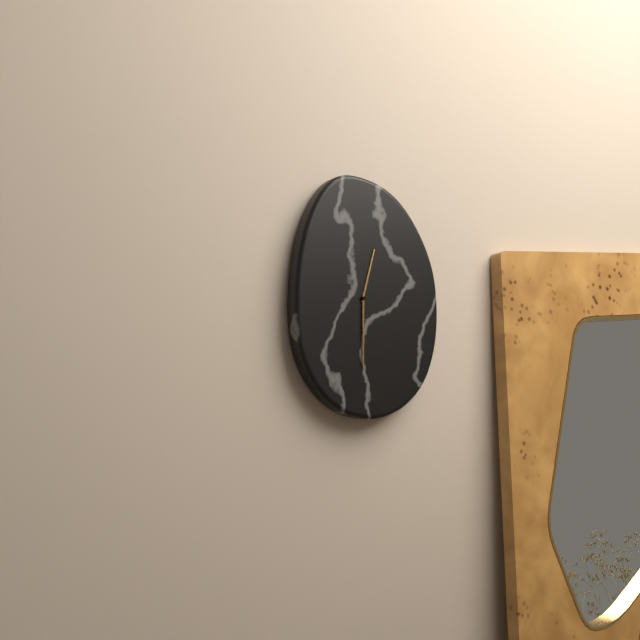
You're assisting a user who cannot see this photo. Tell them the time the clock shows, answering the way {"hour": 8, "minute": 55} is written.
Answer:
{"hour": 12, "minute": 30}
